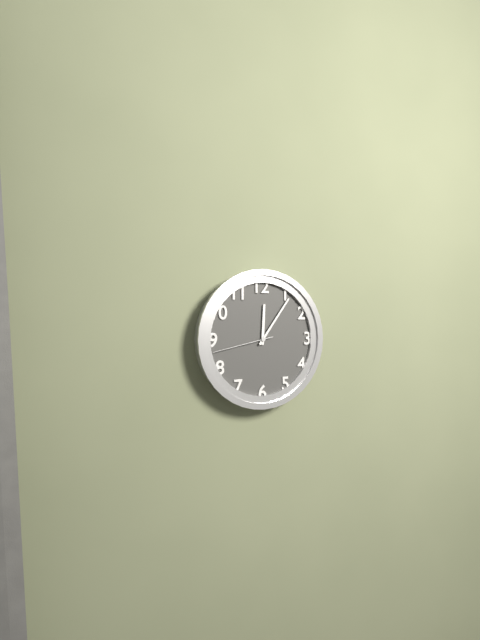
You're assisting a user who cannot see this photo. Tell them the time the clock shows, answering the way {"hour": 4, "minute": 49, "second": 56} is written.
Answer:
{"hour": 12, "minute": 6, "second": 43}
